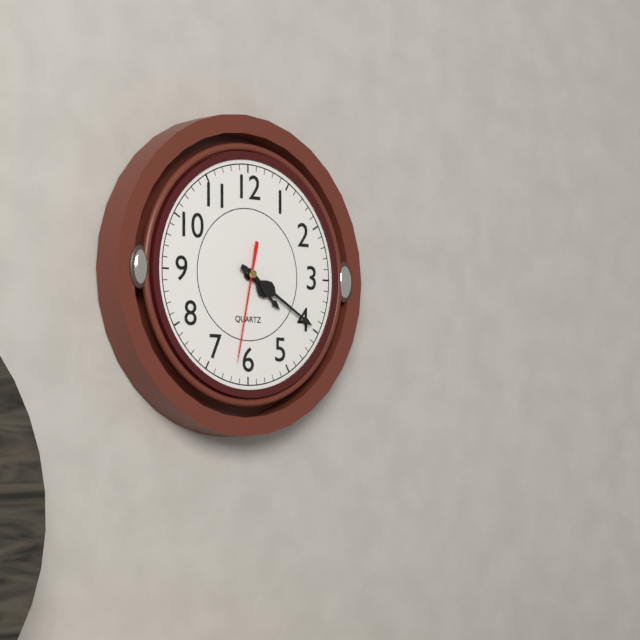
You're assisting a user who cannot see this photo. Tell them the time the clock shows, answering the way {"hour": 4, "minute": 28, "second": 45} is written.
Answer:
{"hour": 4, "minute": 20, "second": 32}
